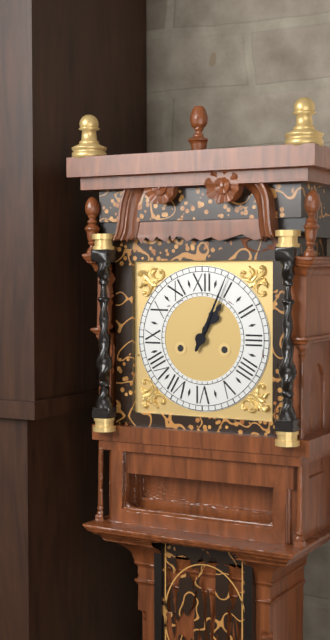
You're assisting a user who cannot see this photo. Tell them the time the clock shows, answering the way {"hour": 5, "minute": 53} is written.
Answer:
{"hour": 1, "minute": 4}
